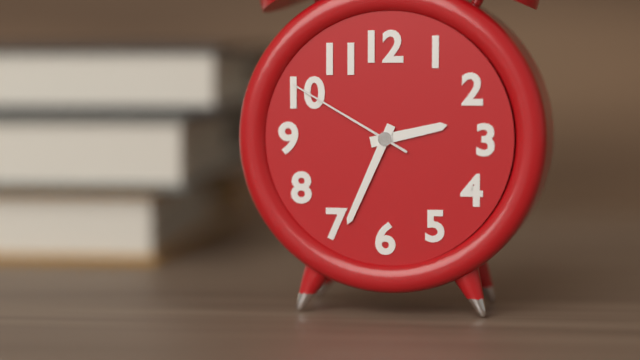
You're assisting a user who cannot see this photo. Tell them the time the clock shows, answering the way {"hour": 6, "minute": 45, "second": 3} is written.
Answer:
{"hour": 2, "minute": 34, "second": 50}
